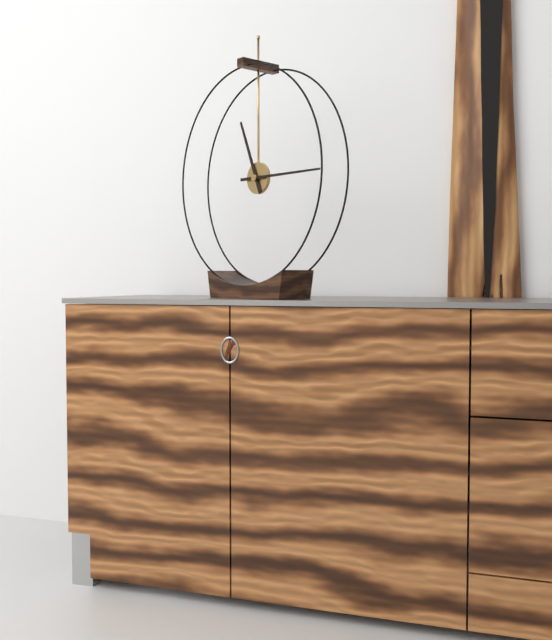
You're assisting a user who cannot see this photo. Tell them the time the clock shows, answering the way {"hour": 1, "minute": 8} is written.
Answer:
{"hour": 11, "minute": 15}
